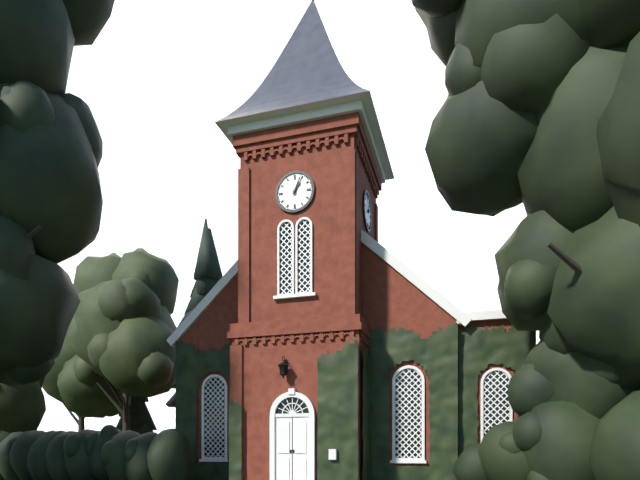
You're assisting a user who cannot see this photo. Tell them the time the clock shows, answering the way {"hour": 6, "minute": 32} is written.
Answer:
{"hour": 1, "minute": 4}
